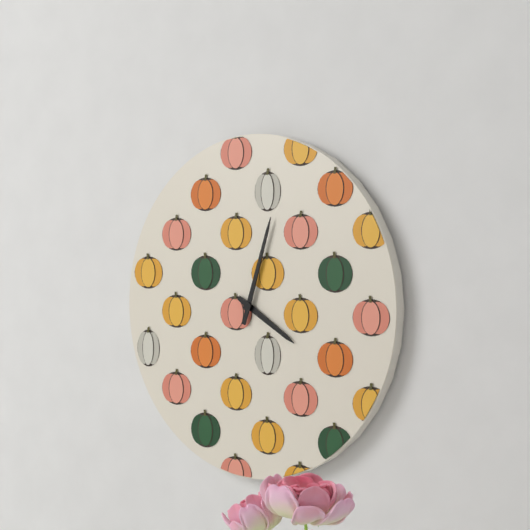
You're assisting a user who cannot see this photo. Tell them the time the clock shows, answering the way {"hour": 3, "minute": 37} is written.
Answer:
{"hour": 4, "minute": 3}
